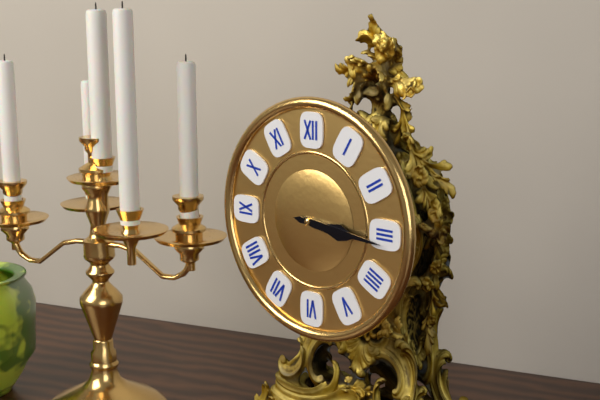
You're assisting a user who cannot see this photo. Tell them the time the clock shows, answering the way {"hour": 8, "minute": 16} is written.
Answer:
{"hour": 3, "minute": 16}
